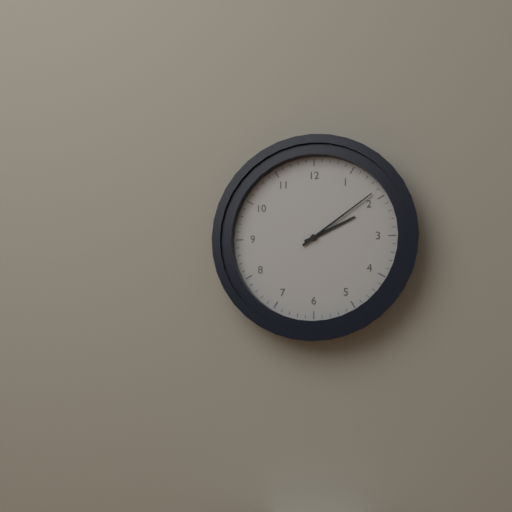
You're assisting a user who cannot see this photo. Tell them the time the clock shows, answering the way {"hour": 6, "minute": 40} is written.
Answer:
{"hour": 2, "minute": 9}
